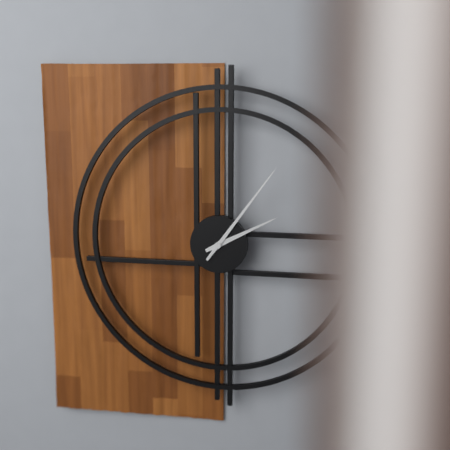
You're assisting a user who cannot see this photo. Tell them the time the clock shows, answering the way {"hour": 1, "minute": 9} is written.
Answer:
{"hour": 2, "minute": 6}
